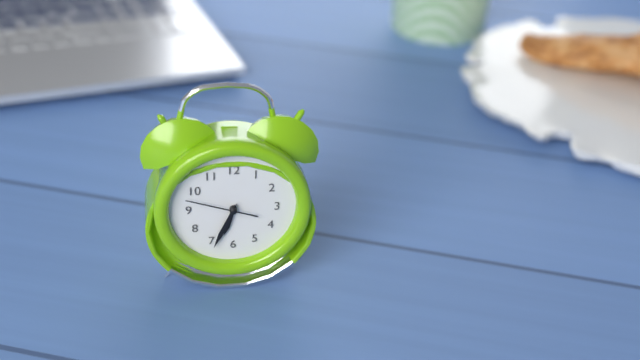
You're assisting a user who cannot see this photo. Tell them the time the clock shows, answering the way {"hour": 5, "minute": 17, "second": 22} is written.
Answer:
{"hour": 6, "minute": 34, "second": 48}
